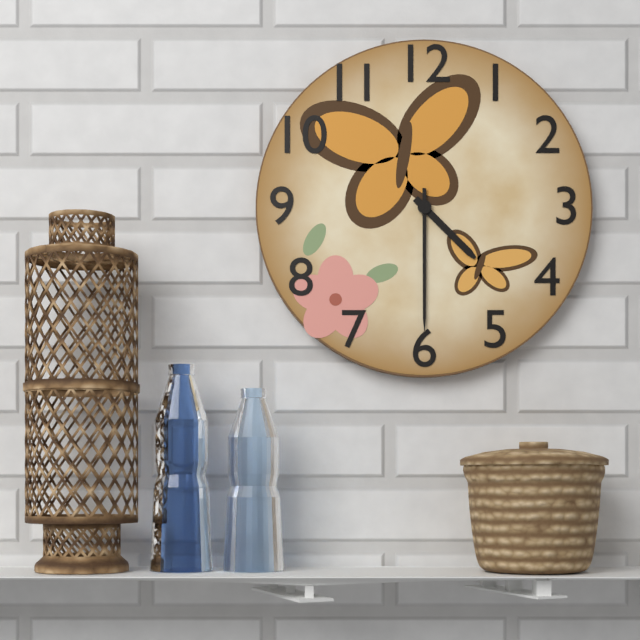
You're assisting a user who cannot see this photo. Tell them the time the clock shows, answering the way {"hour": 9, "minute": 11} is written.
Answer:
{"hour": 4, "minute": 30}
